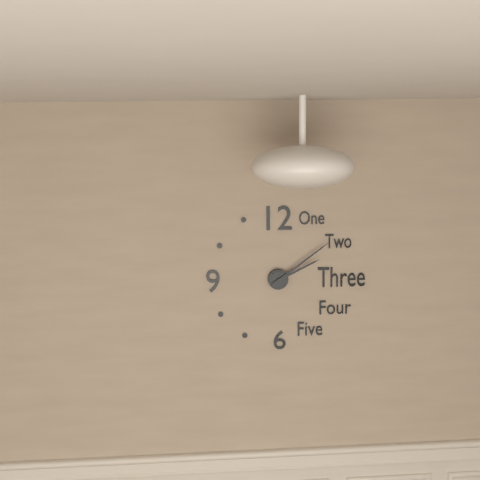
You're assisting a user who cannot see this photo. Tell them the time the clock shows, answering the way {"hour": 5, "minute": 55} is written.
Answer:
{"hour": 2, "minute": 9}
